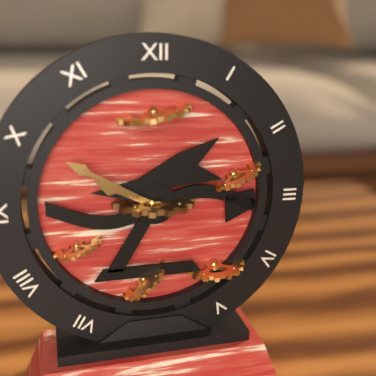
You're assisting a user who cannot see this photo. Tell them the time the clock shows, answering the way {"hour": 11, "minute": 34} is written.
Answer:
{"hour": 9, "minute": 50}
